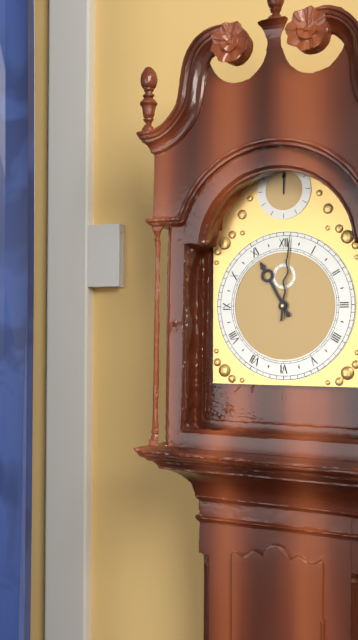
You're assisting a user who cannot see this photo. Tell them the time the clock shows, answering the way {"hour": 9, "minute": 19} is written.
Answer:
{"hour": 11, "minute": 1}
